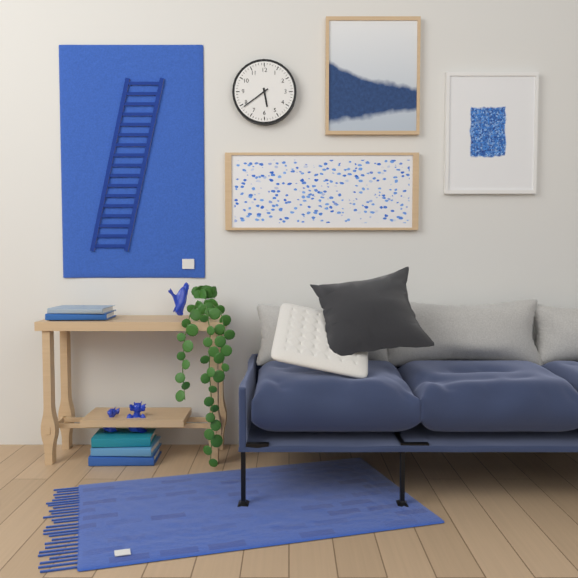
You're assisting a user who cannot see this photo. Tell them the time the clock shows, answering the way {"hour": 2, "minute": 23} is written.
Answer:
{"hour": 5, "minute": 39}
